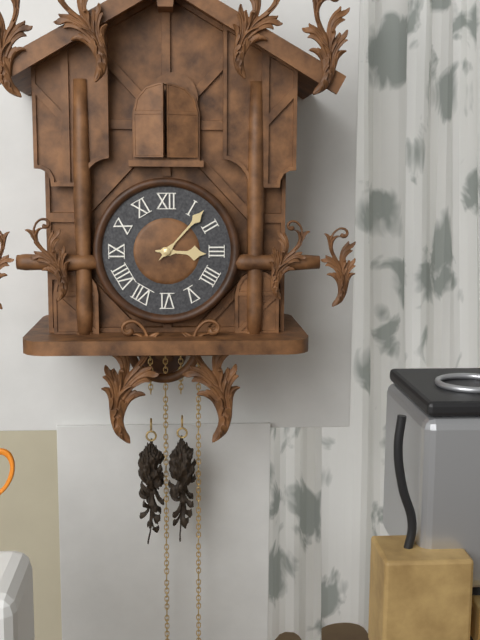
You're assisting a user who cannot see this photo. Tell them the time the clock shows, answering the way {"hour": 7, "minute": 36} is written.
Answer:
{"hour": 3, "minute": 7}
